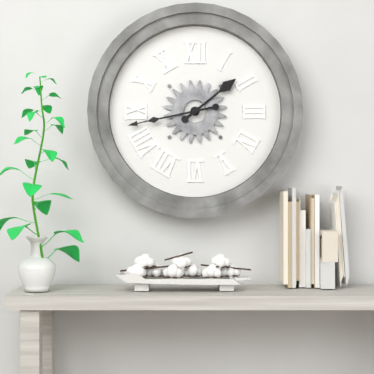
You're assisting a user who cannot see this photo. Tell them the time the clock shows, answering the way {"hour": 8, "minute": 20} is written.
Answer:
{"hour": 1, "minute": 43}
